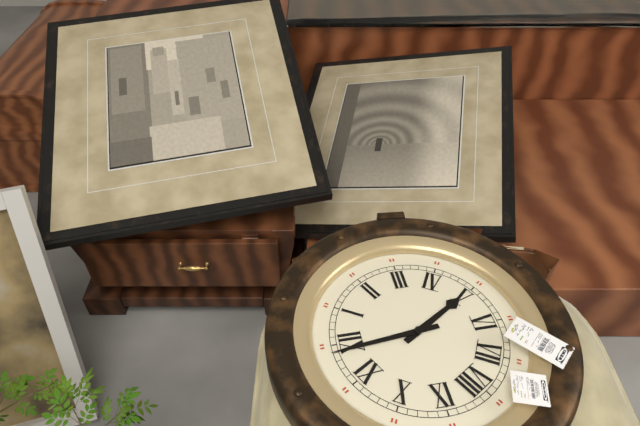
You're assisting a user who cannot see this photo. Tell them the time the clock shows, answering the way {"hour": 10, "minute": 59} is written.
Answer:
{"hour": 4, "minute": 59}
